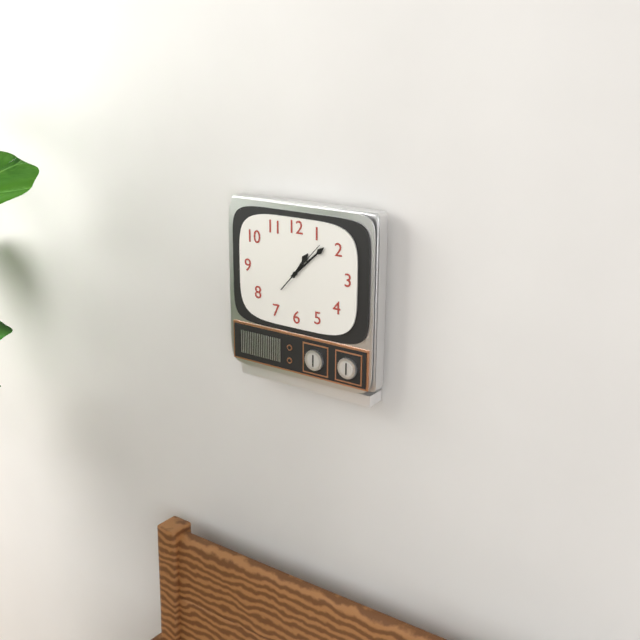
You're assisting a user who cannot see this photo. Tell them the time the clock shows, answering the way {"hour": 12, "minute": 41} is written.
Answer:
{"hour": 1, "minute": 8}
